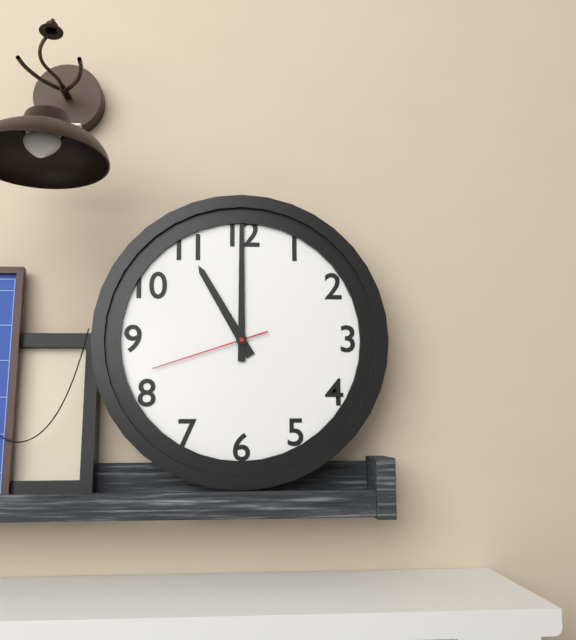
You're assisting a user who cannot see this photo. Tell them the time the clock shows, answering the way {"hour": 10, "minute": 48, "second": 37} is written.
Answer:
{"hour": 11, "minute": 0, "second": 42}
